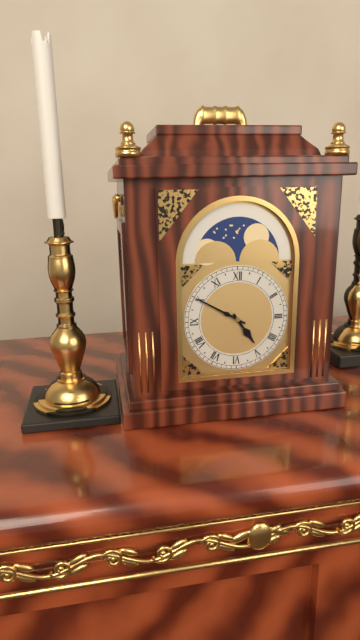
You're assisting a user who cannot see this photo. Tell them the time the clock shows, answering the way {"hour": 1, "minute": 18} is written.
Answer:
{"hour": 4, "minute": 50}
